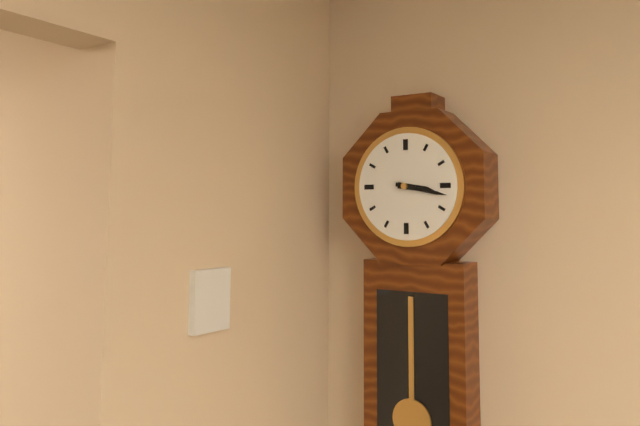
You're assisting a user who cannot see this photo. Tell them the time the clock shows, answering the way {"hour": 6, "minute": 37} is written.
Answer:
{"hour": 3, "minute": 17}
